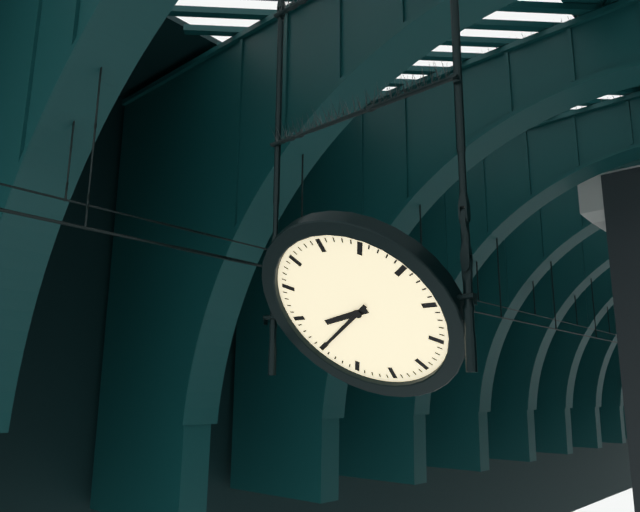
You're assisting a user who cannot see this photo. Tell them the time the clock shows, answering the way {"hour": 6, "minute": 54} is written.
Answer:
{"hour": 8, "minute": 40}
